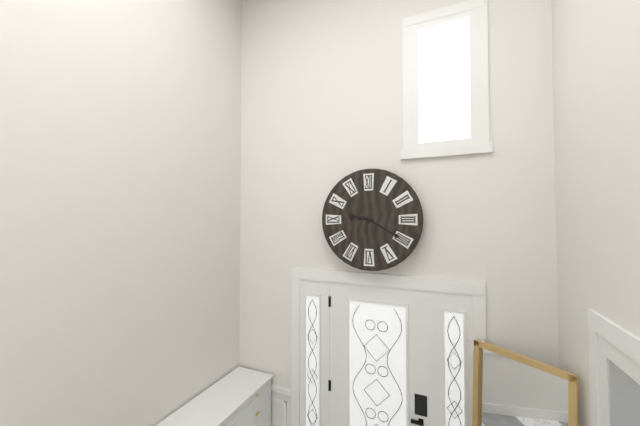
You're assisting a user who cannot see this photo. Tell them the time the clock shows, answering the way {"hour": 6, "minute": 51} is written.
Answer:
{"hour": 9, "minute": 20}
